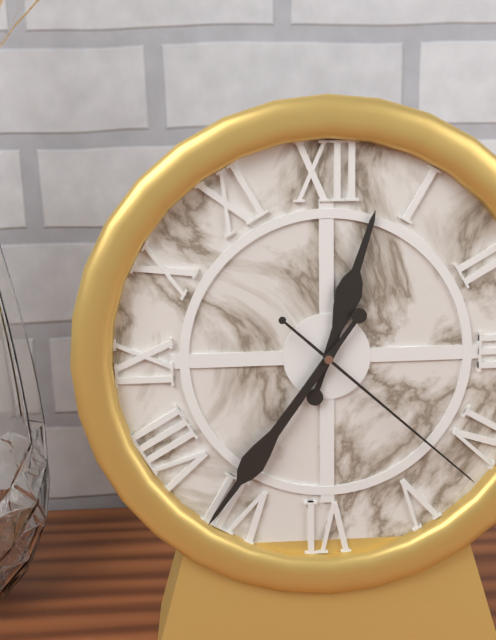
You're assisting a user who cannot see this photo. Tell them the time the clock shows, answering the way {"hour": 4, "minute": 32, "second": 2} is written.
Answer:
{"hour": 12, "minute": 36, "second": 22}
